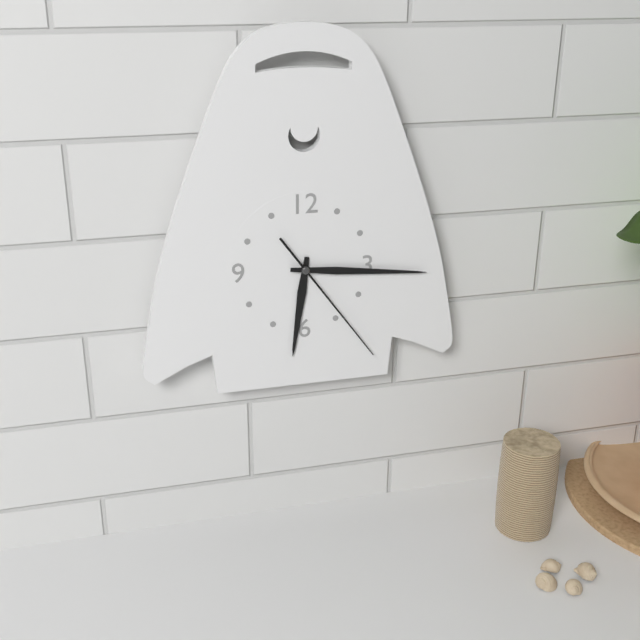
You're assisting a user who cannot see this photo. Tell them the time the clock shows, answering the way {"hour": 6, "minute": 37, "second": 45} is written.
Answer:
{"hour": 6, "minute": 16, "second": 24}
